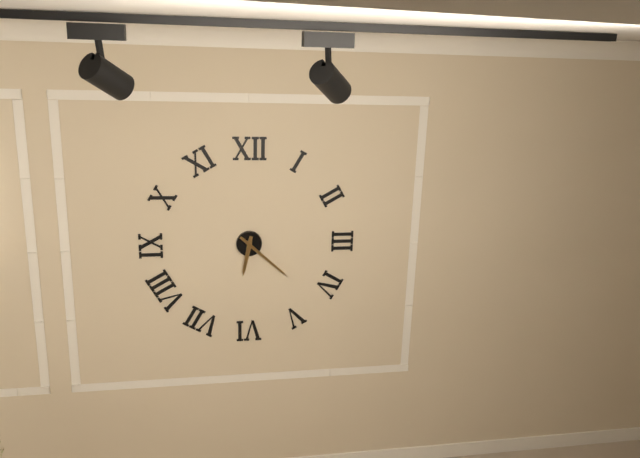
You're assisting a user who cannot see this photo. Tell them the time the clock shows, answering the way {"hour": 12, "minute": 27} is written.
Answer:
{"hour": 6, "minute": 22}
